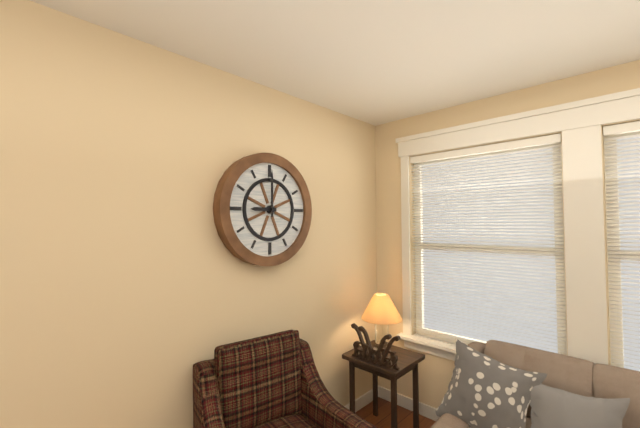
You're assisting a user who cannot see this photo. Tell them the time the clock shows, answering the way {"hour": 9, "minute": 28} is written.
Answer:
{"hour": 9, "minute": 0}
